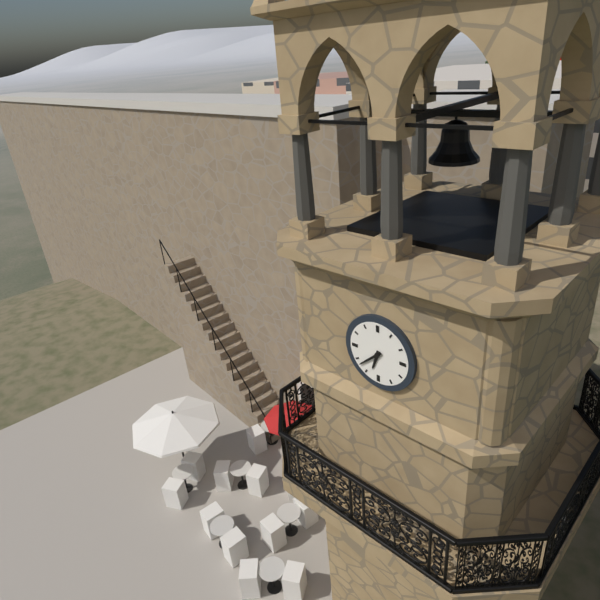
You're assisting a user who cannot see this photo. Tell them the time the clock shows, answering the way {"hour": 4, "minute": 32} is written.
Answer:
{"hour": 6, "minute": 38}
